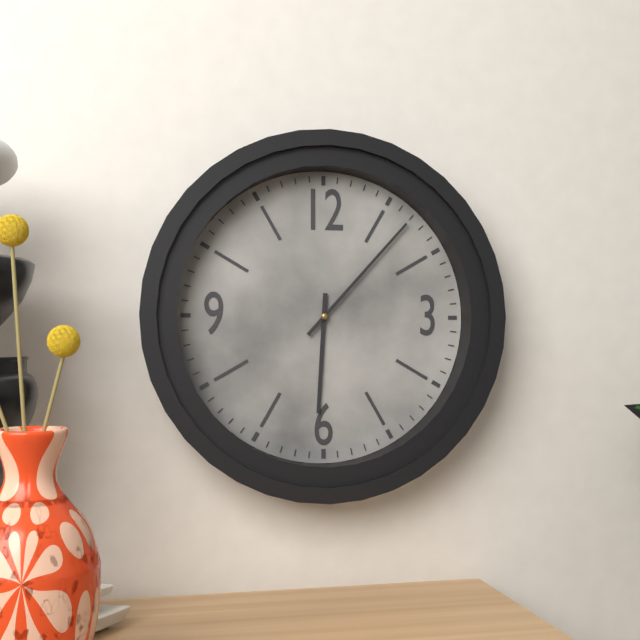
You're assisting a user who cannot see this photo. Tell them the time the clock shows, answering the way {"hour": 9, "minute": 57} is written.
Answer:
{"hour": 6, "minute": 7}
